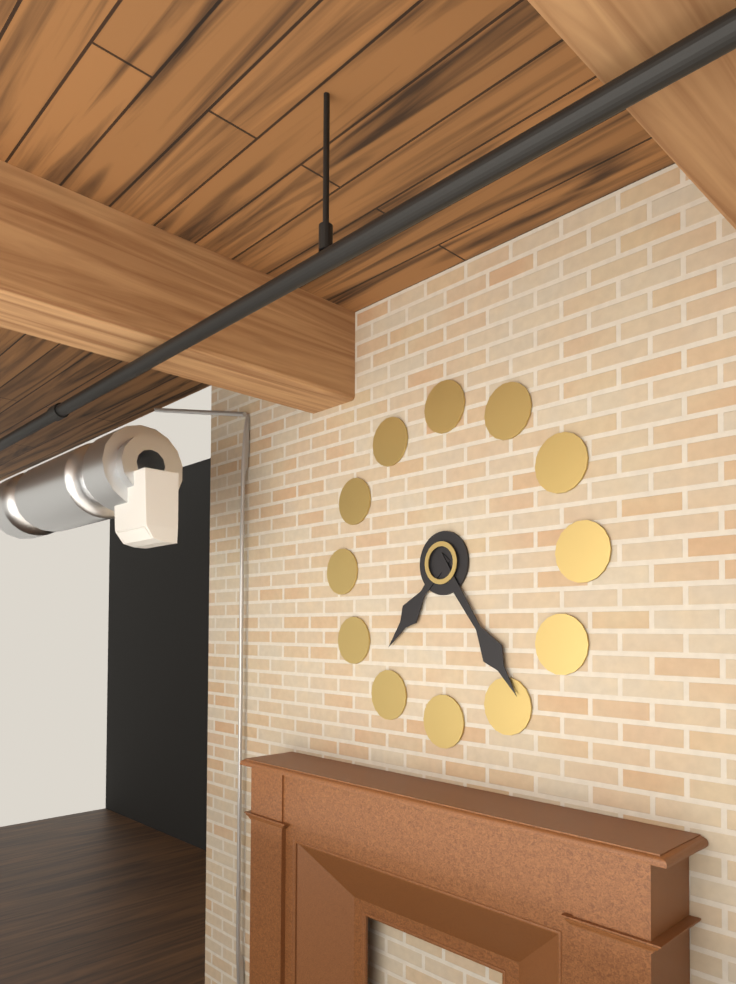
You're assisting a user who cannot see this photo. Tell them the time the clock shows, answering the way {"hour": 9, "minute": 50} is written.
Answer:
{"hour": 7, "minute": 24}
